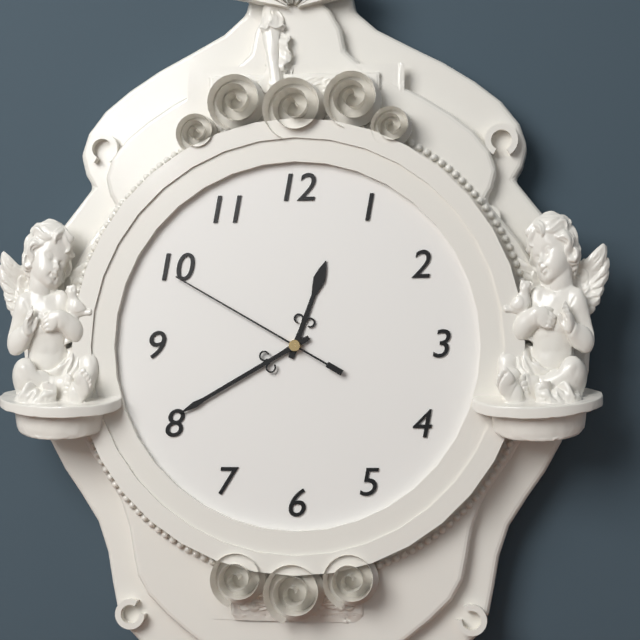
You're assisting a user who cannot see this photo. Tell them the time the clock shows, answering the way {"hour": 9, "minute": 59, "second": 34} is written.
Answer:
{"hour": 12, "minute": 40, "second": 50}
